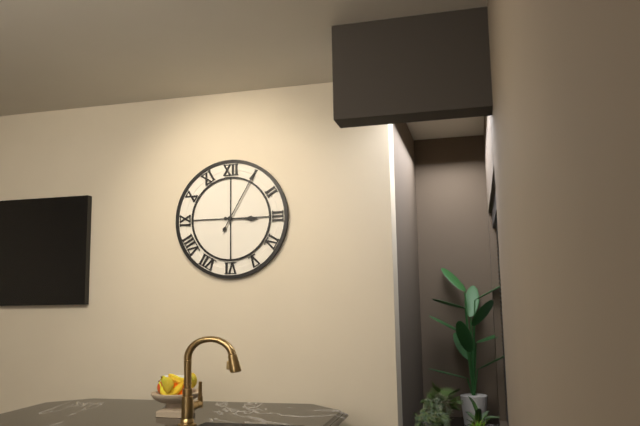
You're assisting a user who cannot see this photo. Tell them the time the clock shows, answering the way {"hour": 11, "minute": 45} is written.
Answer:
{"hour": 3, "minute": 5}
